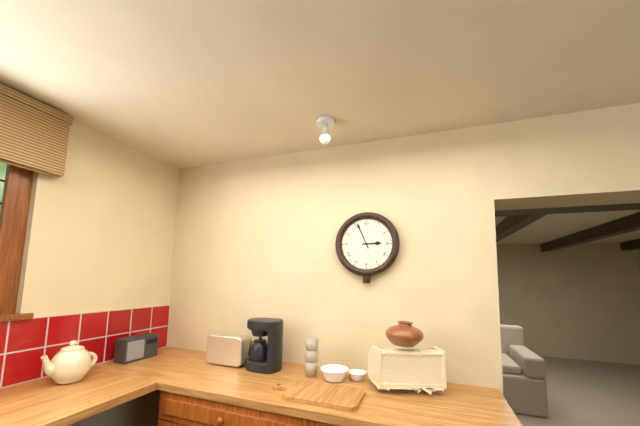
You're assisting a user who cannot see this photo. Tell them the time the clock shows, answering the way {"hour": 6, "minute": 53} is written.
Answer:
{"hour": 2, "minute": 56}
